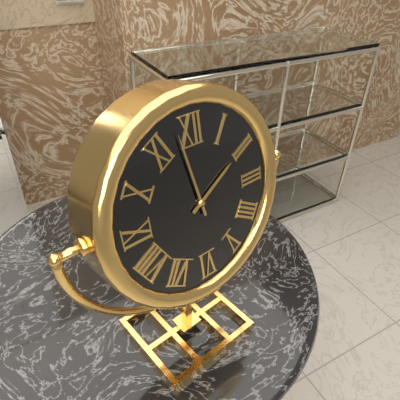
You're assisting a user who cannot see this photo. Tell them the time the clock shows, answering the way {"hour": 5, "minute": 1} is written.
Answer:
{"hour": 1, "minute": 58}
